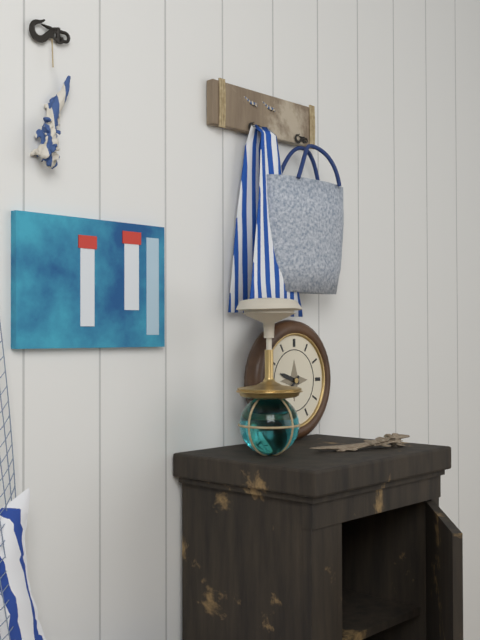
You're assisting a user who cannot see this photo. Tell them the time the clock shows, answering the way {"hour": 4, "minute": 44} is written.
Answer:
{"hour": 9, "minute": 38}
